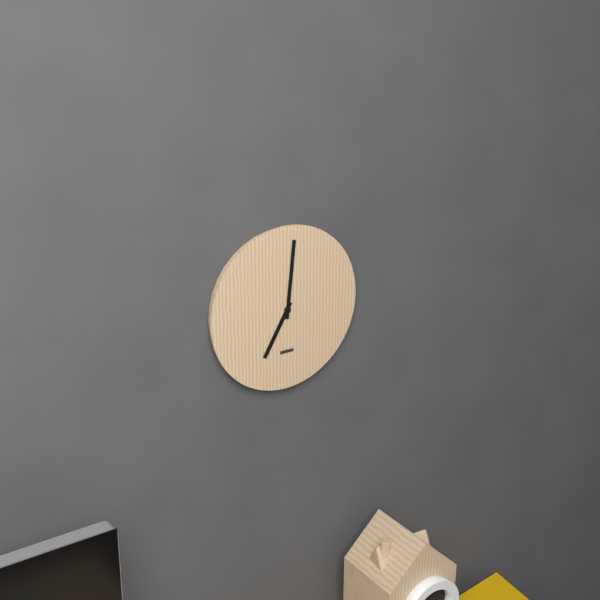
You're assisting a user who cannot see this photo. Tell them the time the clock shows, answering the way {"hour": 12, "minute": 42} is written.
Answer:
{"hour": 7, "minute": 1}
